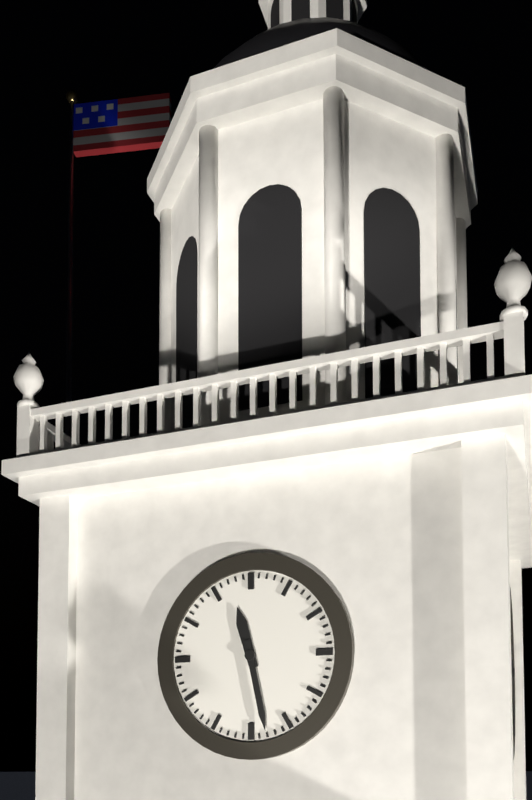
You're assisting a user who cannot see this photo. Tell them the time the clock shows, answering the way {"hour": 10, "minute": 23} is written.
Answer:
{"hour": 11, "minute": 28}
